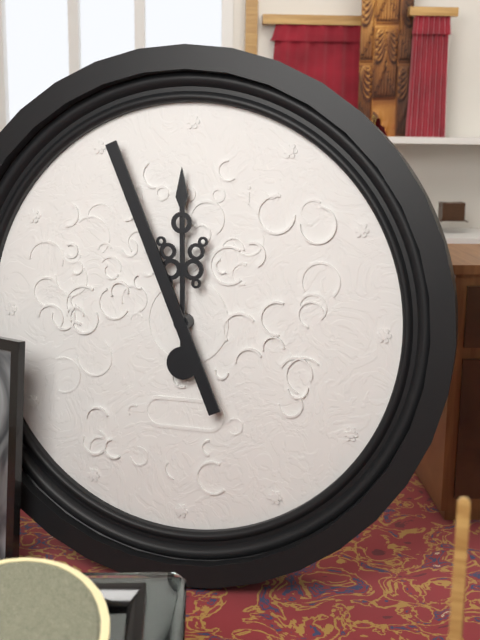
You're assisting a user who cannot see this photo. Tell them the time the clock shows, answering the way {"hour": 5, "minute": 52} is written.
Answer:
{"hour": 11, "minute": 56}
